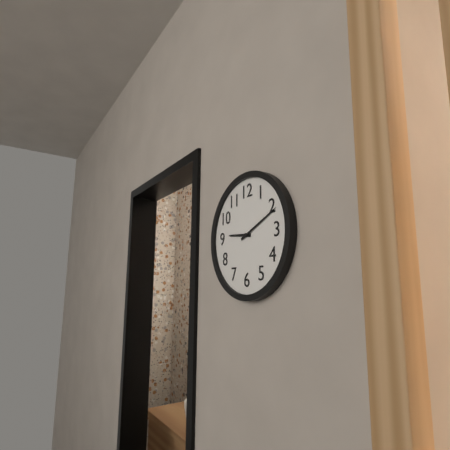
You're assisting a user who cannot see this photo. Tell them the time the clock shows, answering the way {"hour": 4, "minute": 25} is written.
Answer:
{"hour": 9, "minute": 11}
